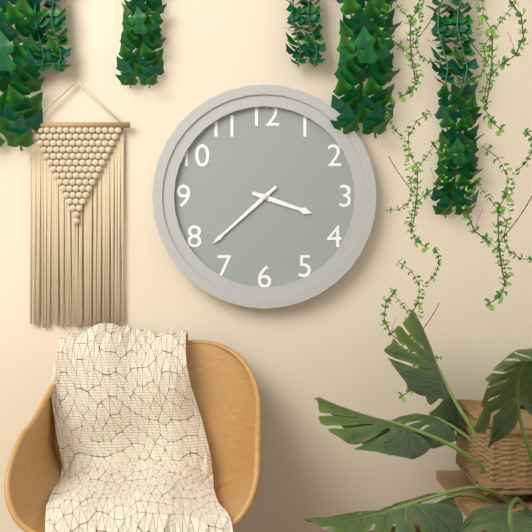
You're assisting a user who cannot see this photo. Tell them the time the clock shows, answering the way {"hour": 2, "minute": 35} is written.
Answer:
{"hour": 3, "minute": 38}
